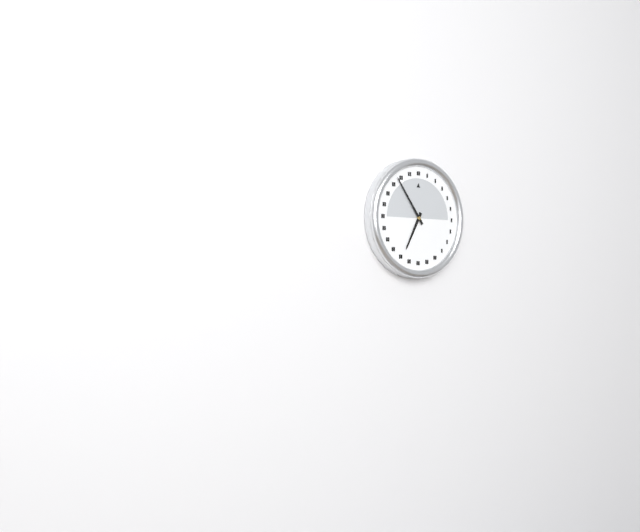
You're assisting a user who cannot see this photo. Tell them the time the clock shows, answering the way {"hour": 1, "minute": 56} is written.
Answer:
{"hour": 6, "minute": 54}
